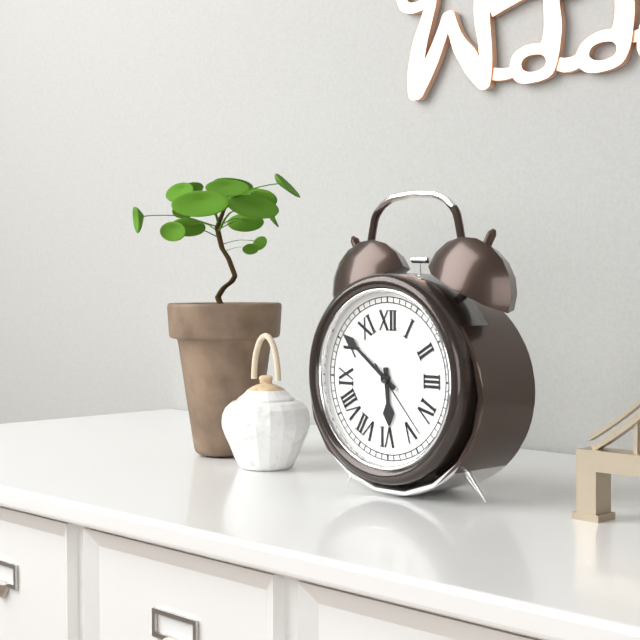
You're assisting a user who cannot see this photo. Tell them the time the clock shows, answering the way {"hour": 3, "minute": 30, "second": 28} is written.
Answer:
{"hour": 5, "minute": 51, "second": 23}
